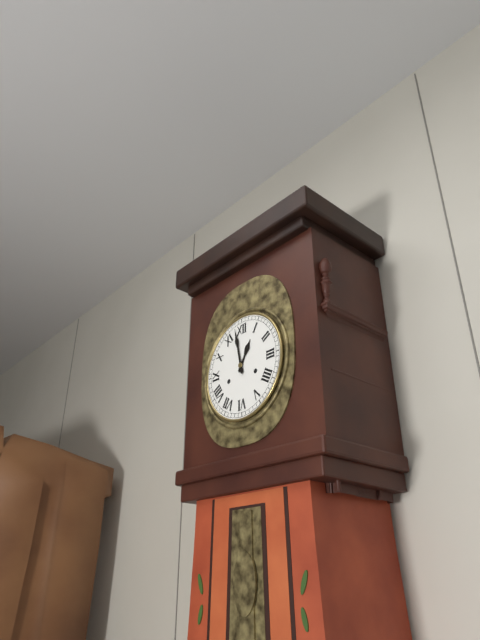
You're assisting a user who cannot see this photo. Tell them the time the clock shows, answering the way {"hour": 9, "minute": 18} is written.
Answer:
{"hour": 12, "minute": 58}
